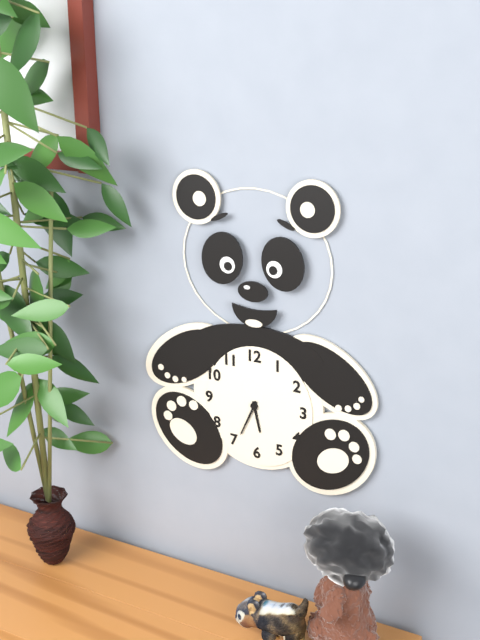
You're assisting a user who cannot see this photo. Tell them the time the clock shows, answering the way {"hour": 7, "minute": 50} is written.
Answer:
{"hour": 5, "minute": 34}
